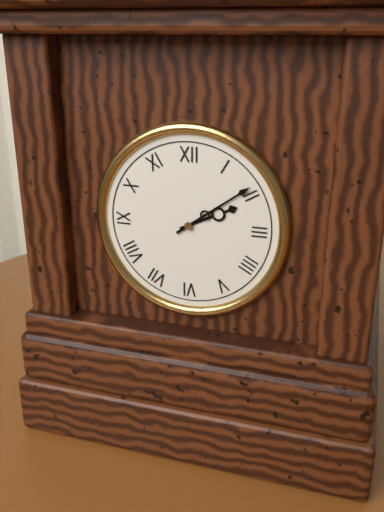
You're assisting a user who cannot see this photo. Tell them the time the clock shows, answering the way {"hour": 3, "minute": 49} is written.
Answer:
{"hour": 2, "minute": 9}
